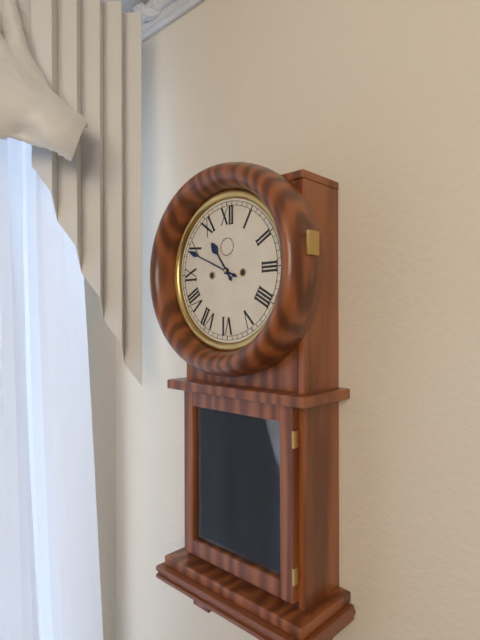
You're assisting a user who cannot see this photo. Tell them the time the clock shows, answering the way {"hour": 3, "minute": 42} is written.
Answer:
{"hour": 10, "minute": 49}
